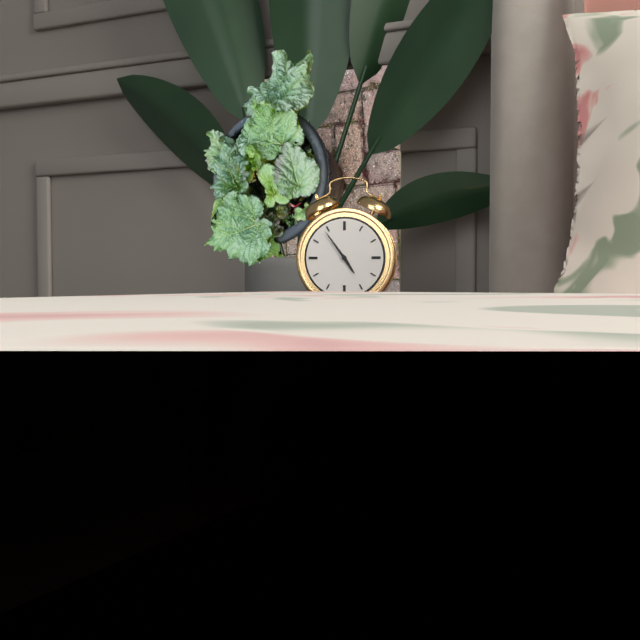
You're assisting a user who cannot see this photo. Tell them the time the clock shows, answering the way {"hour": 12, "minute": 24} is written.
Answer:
{"hour": 4, "minute": 54}
